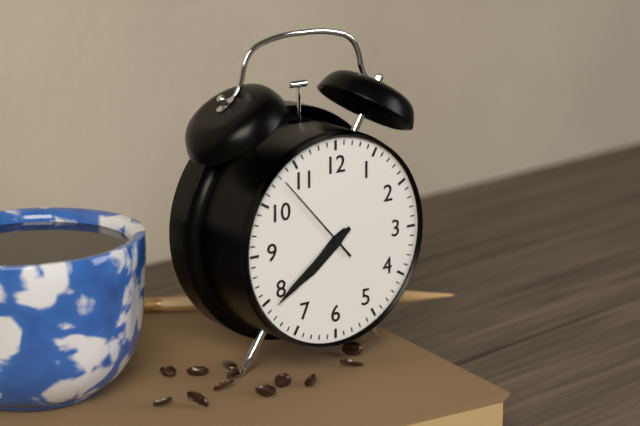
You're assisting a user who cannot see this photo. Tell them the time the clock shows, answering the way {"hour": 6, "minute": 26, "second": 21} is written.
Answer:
{"hour": 7, "minute": 39, "second": 53}
